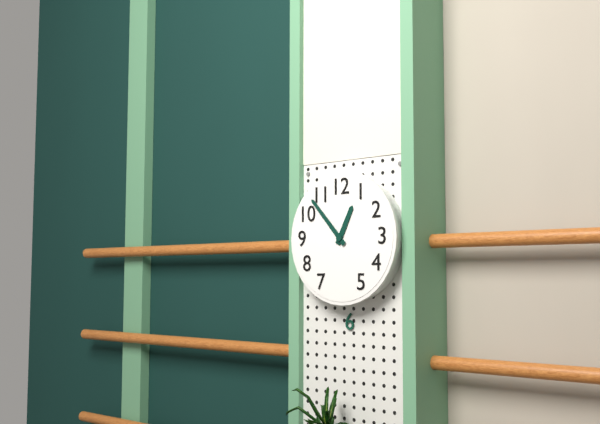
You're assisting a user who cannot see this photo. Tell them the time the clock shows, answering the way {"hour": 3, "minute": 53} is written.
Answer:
{"hour": 12, "minute": 53}
